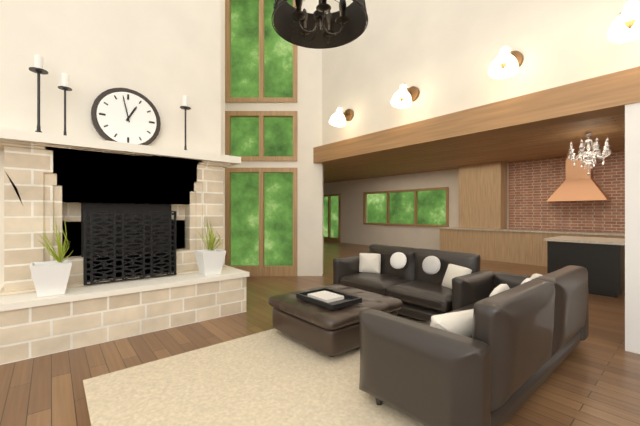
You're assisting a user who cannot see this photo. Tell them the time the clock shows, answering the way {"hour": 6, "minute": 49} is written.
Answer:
{"hour": 12, "minute": 58}
